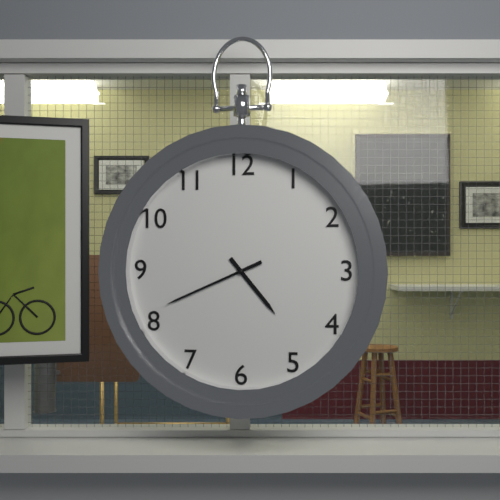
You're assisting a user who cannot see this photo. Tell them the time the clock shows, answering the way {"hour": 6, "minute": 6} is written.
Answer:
{"hour": 4, "minute": 41}
